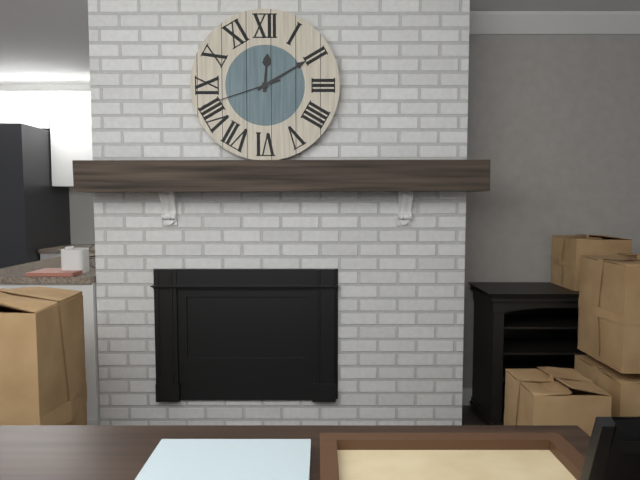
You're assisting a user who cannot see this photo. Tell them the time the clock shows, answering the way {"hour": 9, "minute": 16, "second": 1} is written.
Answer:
{"hour": 12, "minute": 10, "second": 42}
